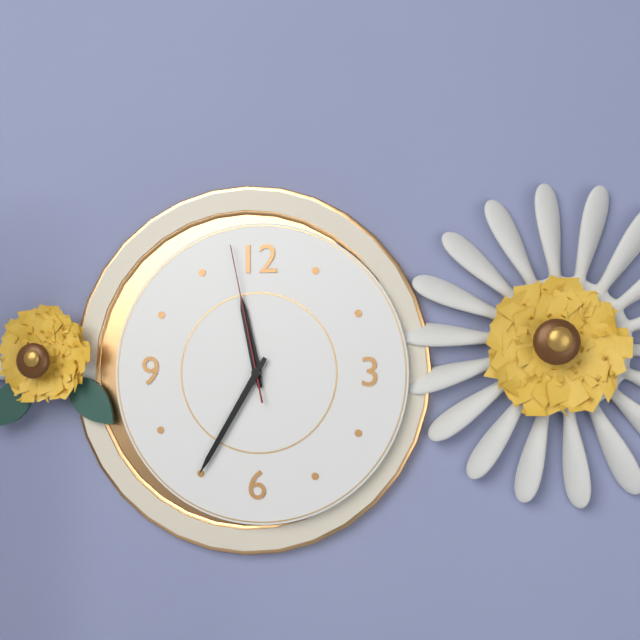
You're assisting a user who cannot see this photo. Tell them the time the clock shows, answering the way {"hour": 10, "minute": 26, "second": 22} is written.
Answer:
{"hour": 11, "minute": 35, "second": 58}
